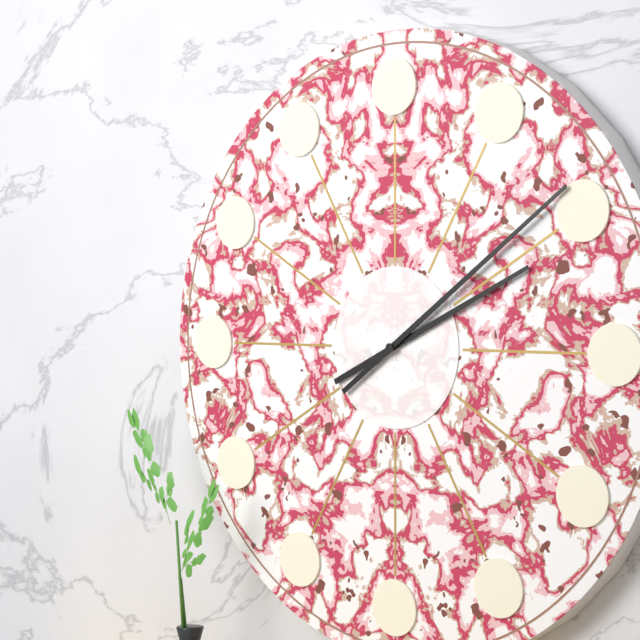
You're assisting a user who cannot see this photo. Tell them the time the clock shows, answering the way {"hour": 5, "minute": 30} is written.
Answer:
{"hour": 2, "minute": 9}
